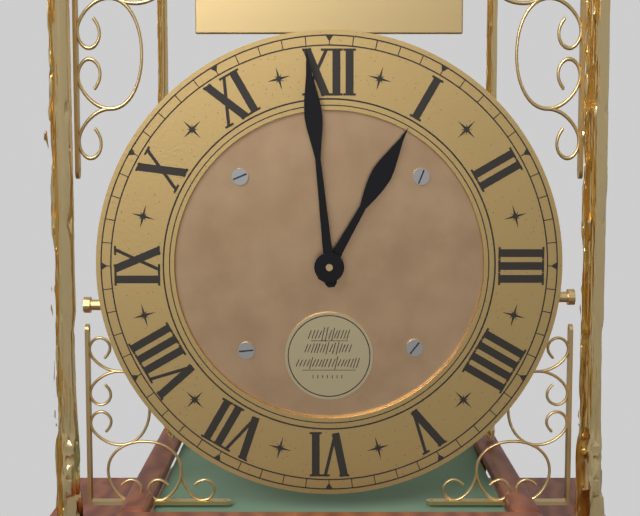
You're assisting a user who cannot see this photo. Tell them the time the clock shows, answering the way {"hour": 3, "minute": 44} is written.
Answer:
{"hour": 12, "minute": 59}
